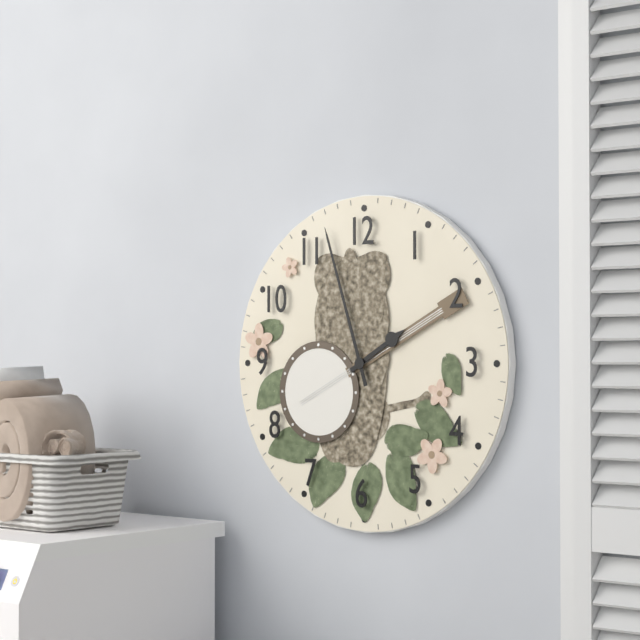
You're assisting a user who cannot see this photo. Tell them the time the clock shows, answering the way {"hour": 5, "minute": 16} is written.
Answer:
{"hour": 1, "minute": 57}
